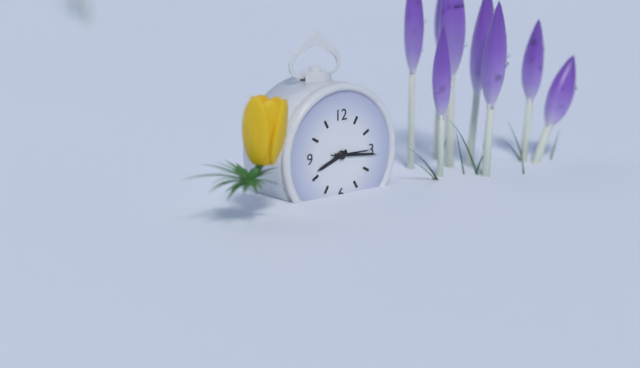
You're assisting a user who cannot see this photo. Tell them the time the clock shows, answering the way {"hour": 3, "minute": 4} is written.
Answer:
{"hour": 8, "minute": 16}
